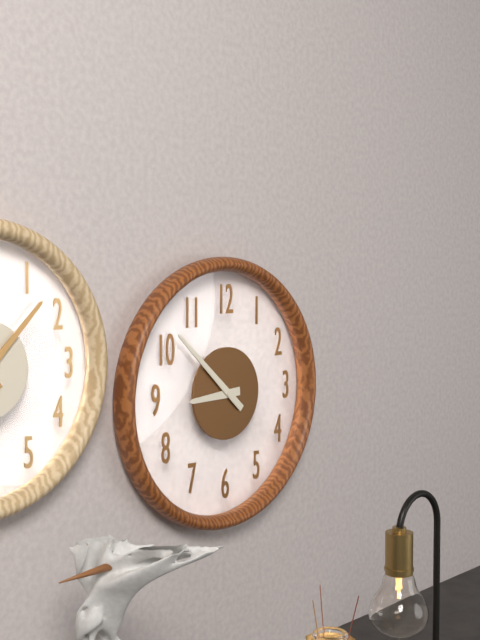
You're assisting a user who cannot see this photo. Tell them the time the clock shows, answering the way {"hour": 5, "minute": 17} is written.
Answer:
{"hour": 8, "minute": 52}
